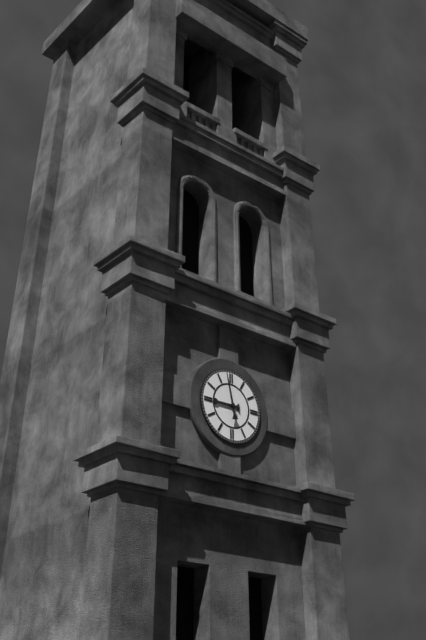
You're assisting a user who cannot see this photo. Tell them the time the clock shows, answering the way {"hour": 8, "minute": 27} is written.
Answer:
{"hour": 8, "minute": 58}
